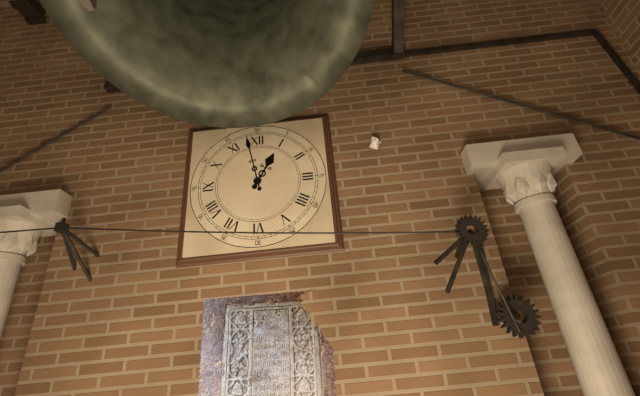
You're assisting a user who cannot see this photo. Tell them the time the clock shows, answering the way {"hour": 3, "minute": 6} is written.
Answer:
{"hour": 12, "minute": 58}
